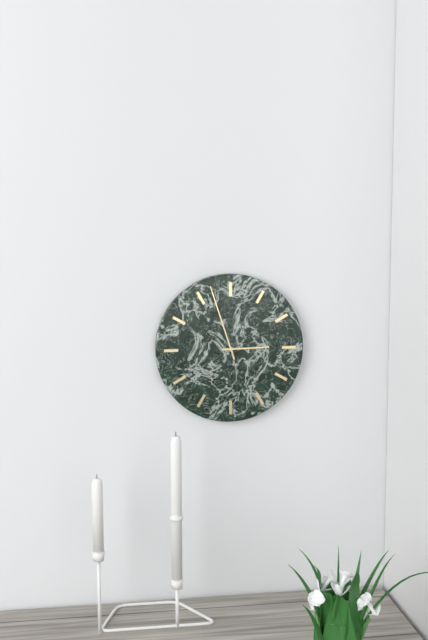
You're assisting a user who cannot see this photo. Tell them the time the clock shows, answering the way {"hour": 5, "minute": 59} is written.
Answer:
{"hour": 2, "minute": 57}
